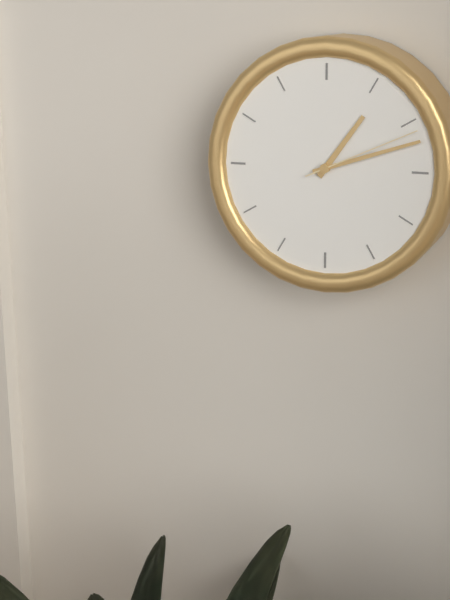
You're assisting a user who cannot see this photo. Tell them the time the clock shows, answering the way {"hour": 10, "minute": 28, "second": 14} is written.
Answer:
{"hour": 1, "minute": 12, "second": 11}
